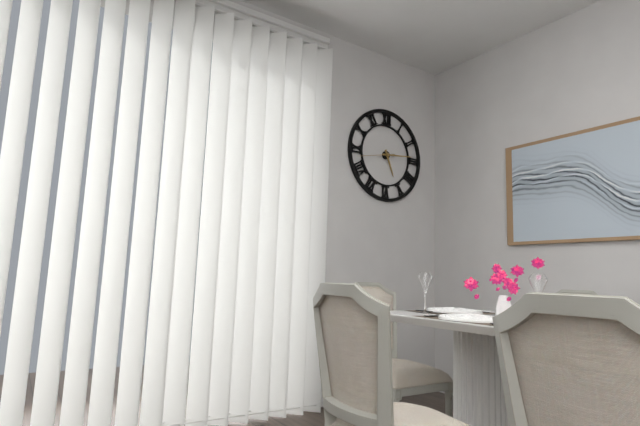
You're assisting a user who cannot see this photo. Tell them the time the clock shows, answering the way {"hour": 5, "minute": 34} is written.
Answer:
{"hour": 5, "minute": 14}
